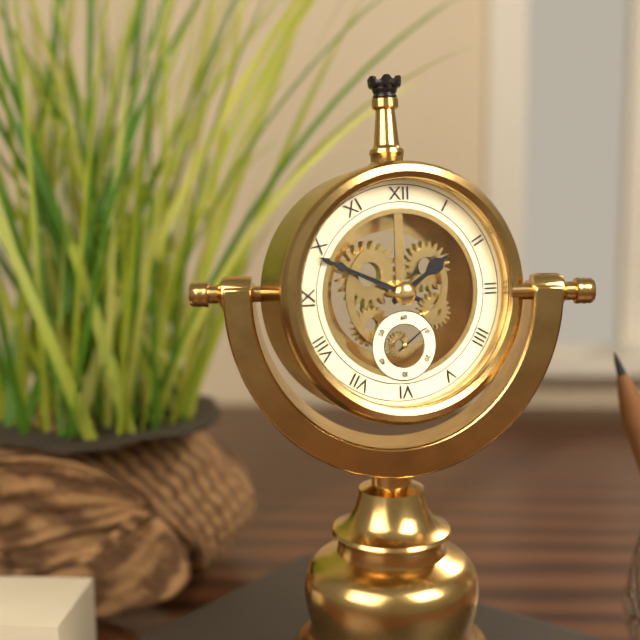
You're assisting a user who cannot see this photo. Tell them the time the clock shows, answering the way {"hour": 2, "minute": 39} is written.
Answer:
{"hour": 1, "minute": 49}
